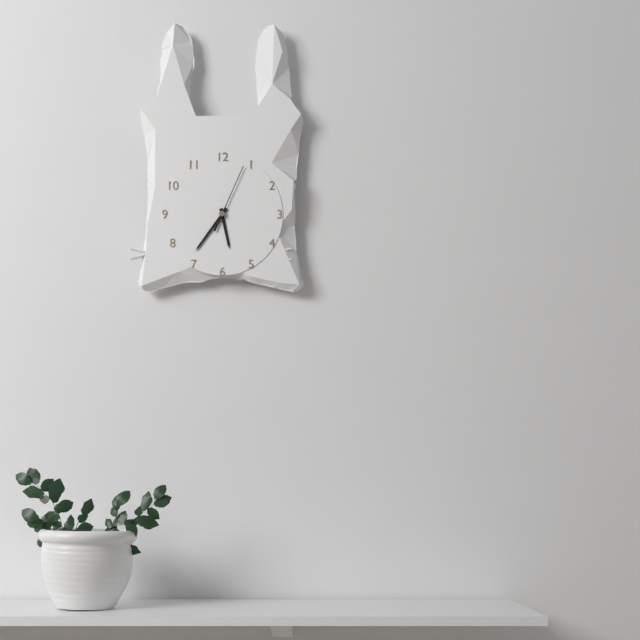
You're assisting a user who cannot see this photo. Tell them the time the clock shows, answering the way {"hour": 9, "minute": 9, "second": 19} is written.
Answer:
{"hour": 5, "minute": 36, "second": 4}
